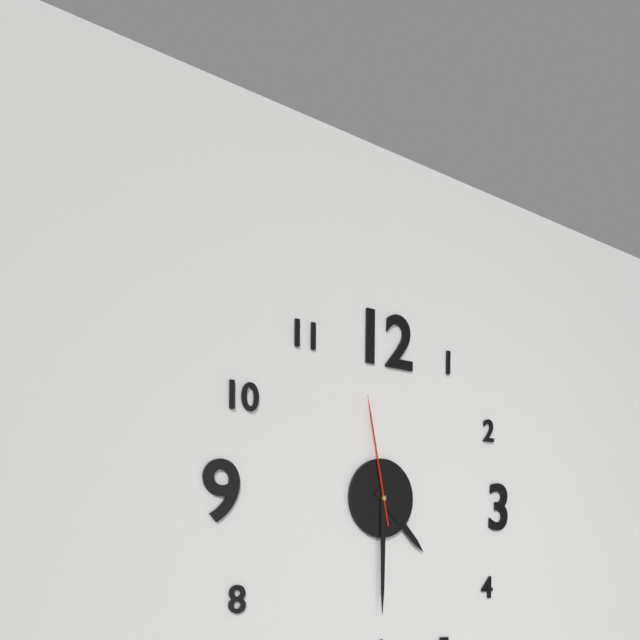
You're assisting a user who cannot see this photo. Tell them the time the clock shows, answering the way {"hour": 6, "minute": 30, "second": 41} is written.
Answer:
{"hour": 4, "minute": 30, "second": 58}
